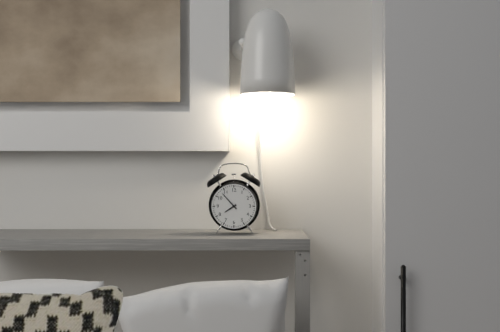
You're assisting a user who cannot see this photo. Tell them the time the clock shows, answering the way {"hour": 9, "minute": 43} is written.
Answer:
{"hour": 7, "minute": 53}
